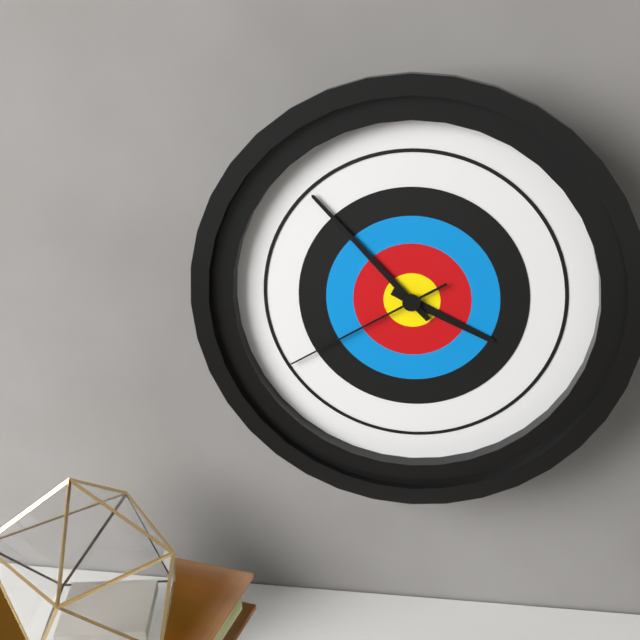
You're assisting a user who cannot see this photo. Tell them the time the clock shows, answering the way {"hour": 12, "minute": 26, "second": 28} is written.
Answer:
{"hour": 3, "minute": 53, "second": 40}
